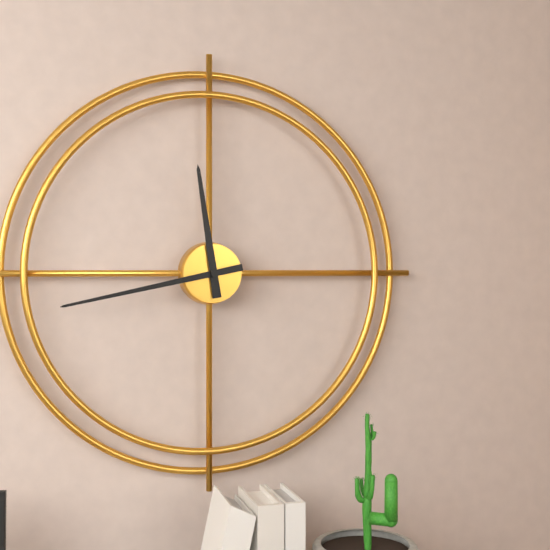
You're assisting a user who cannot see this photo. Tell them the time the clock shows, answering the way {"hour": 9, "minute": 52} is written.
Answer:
{"hour": 11, "minute": 43}
